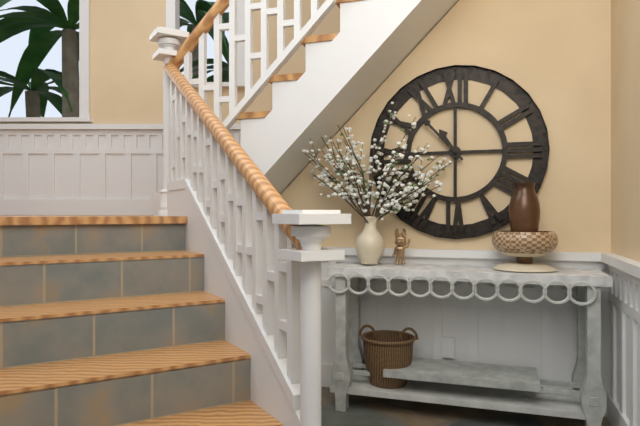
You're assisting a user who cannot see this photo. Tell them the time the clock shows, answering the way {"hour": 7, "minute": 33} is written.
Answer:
{"hour": 10, "minute": 53}
